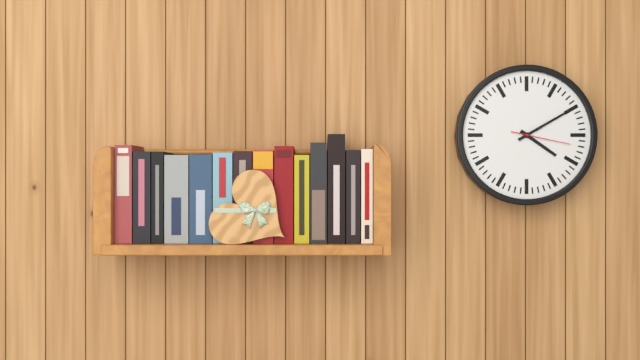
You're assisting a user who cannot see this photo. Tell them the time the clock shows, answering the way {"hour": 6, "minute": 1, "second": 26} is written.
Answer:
{"hour": 4, "minute": 10, "second": 17}
